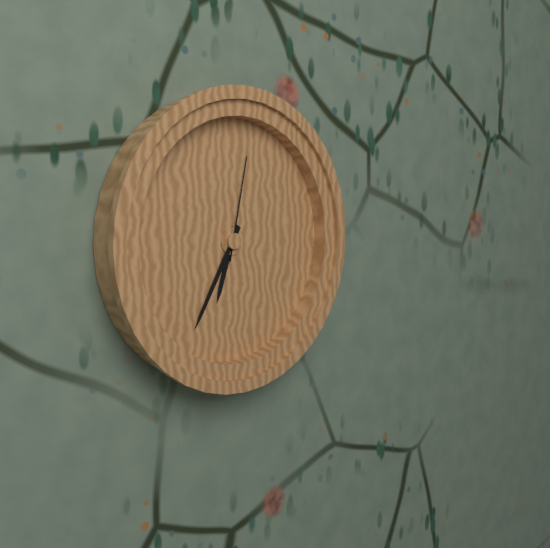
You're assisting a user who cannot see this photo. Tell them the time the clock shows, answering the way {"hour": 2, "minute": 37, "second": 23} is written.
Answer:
{"hour": 6, "minute": 35, "second": 2}
